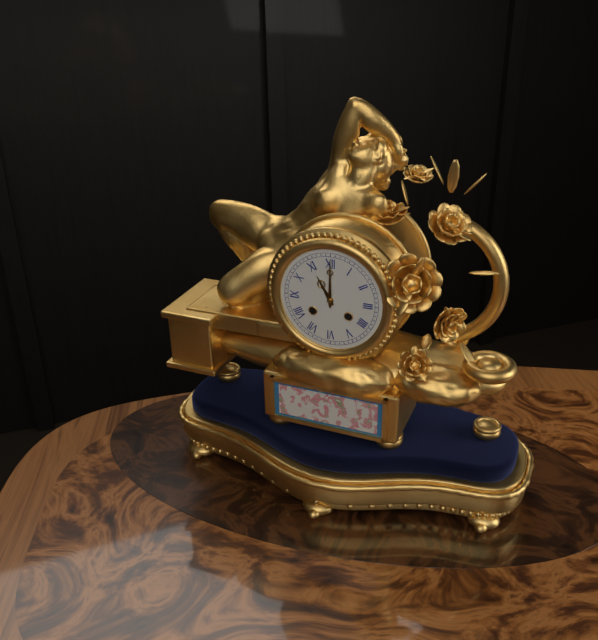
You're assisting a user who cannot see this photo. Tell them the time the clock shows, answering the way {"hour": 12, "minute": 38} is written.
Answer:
{"hour": 11, "minute": 0}
